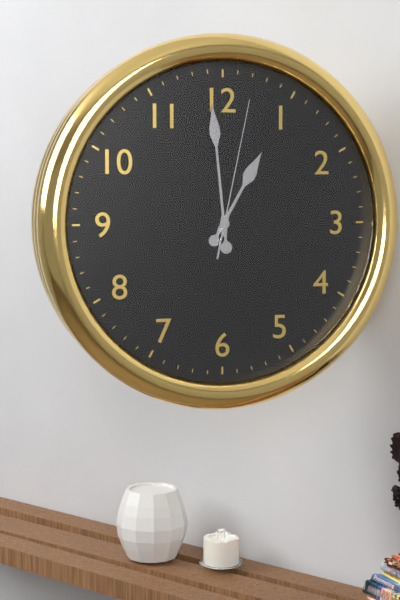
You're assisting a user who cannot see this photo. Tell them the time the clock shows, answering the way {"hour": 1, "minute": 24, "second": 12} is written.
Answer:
{"hour": 12, "minute": 59, "second": 2}
